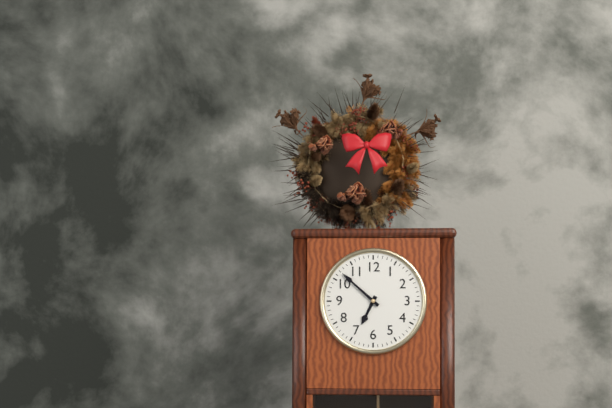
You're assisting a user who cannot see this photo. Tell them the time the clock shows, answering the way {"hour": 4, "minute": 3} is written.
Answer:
{"hour": 6, "minute": 52}
